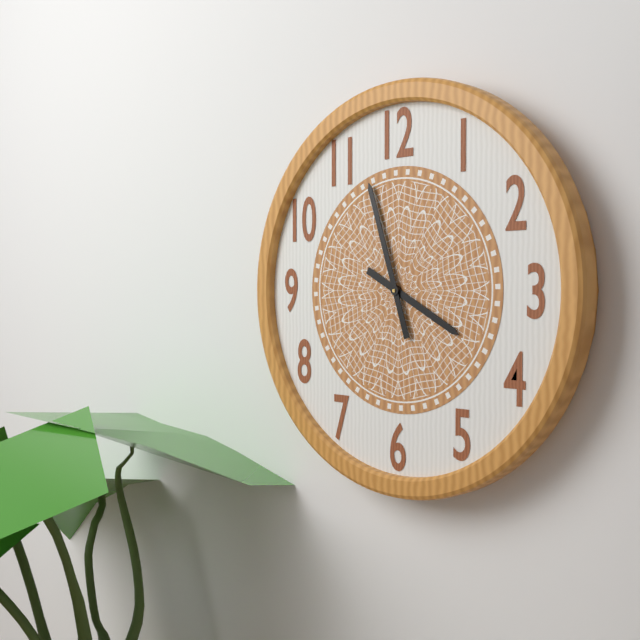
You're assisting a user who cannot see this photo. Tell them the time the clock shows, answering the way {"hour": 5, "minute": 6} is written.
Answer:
{"hour": 3, "minute": 57}
